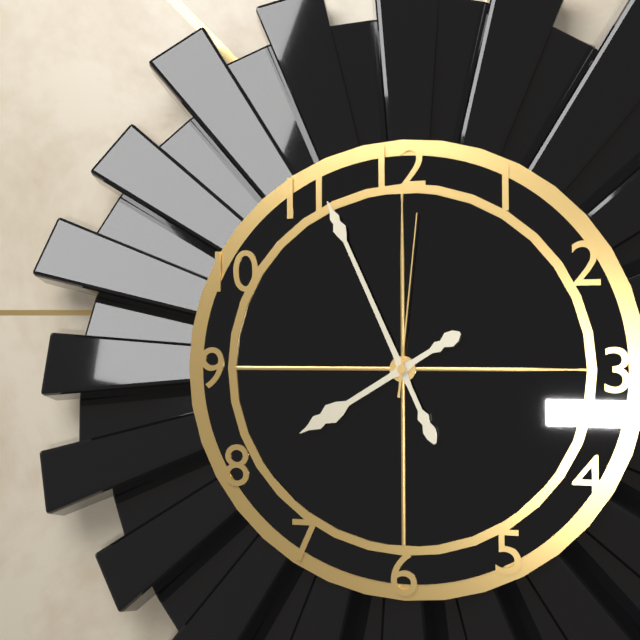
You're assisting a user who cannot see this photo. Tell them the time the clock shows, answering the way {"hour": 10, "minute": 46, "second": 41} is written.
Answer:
{"hour": 7, "minute": 56, "second": 1}
